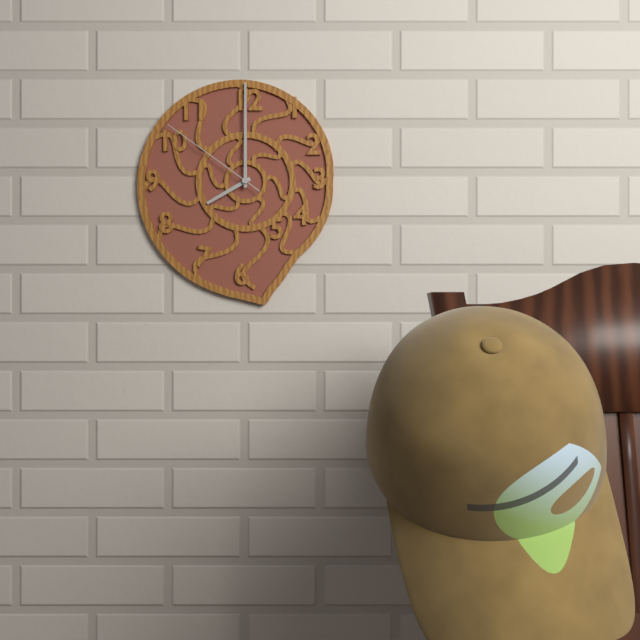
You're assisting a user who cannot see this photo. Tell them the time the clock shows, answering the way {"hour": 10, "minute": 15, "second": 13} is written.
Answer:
{"hour": 8, "minute": 0, "second": 51}
